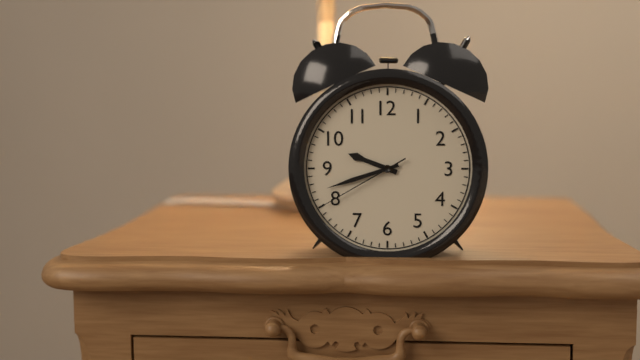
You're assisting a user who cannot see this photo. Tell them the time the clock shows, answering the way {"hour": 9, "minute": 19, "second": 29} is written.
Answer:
{"hour": 9, "minute": 42, "second": 40}
